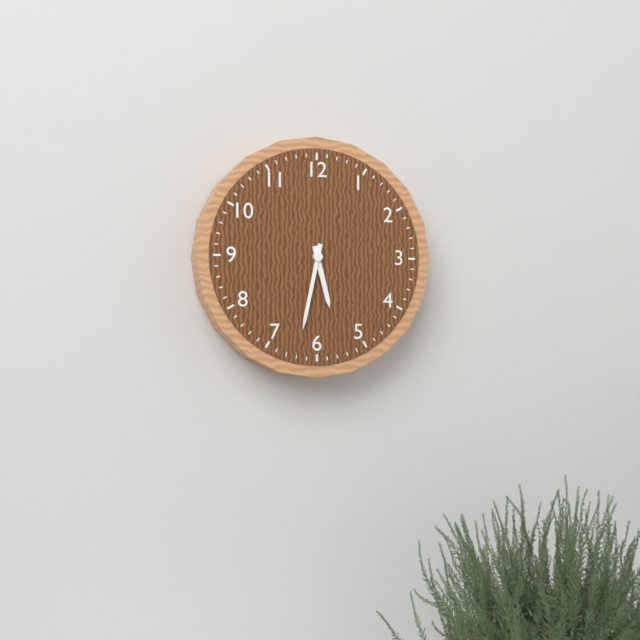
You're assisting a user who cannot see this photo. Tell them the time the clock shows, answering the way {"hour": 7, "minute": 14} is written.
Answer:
{"hour": 5, "minute": 32}
